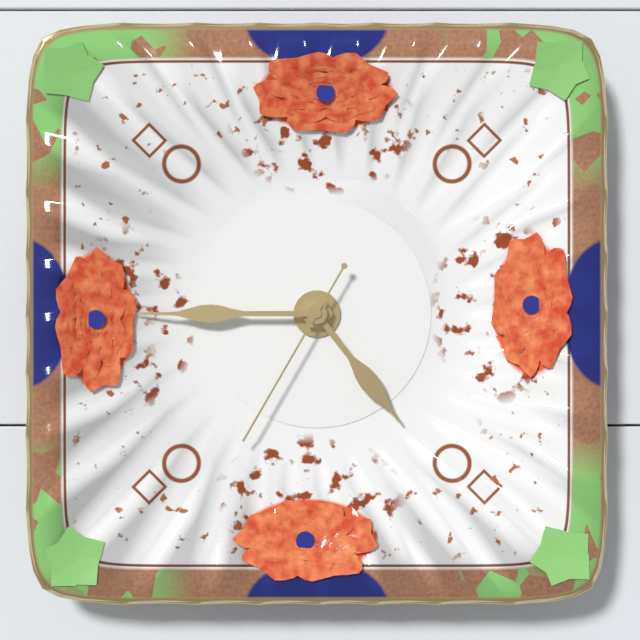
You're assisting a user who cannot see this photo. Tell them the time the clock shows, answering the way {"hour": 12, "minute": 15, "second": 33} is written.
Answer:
{"hour": 4, "minute": 45, "second": 35}
